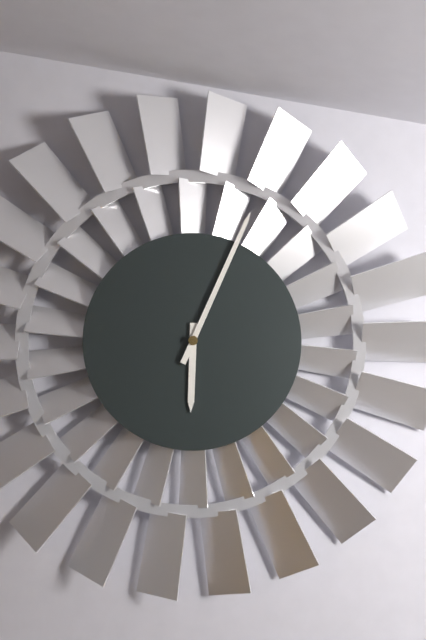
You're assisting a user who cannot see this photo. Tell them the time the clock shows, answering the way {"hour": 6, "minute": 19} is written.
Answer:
{"hour": 6, "minute": 4}
